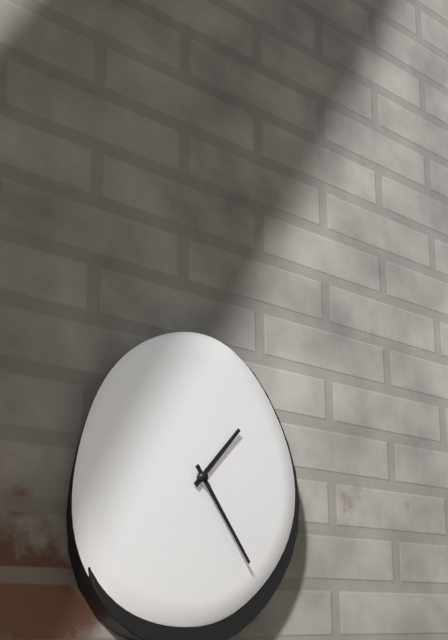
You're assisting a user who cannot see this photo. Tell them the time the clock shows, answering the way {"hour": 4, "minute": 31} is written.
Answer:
{"hour": 1, "minute": 24}
